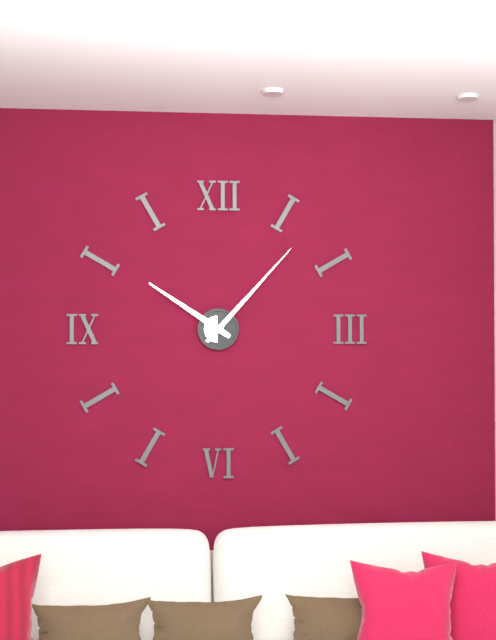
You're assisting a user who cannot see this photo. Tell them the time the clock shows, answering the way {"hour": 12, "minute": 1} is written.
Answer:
{"hour": 10, "minute": 7}
